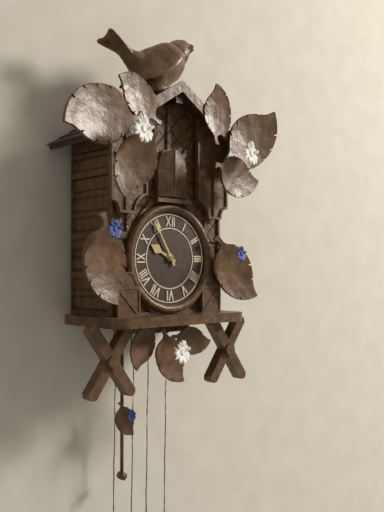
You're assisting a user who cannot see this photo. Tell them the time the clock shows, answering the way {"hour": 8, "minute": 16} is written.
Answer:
{"hour": 9, "minute": 55}
